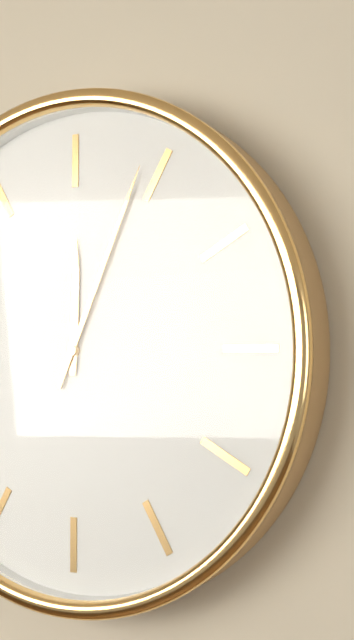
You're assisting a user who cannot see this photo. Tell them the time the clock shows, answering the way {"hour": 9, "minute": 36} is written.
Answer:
{"hour": 12, "minute": 4}
